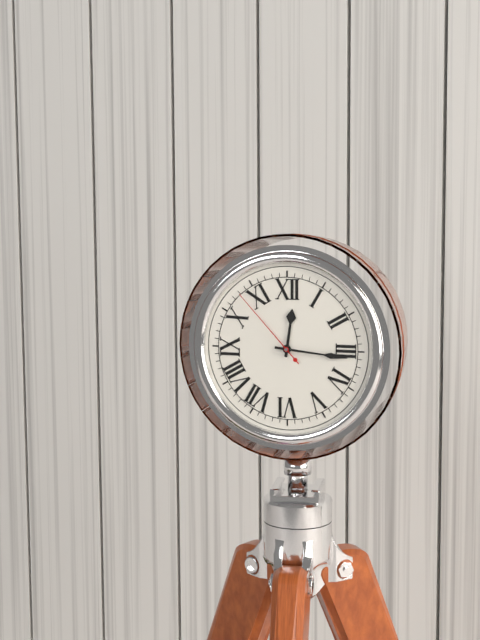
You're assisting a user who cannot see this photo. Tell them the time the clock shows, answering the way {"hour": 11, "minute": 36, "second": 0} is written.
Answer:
{"hour": 12, "minute": 16, "second": 53}
